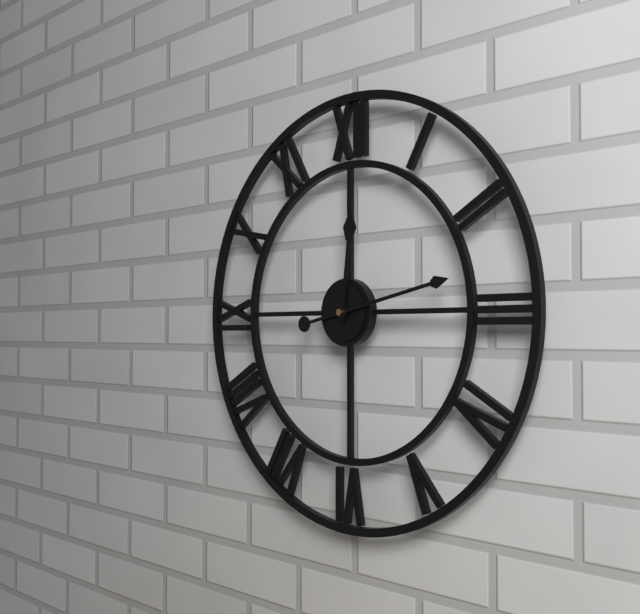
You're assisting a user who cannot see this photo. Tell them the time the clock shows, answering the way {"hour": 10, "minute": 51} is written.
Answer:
{"hour": 12, "minute": 13}
